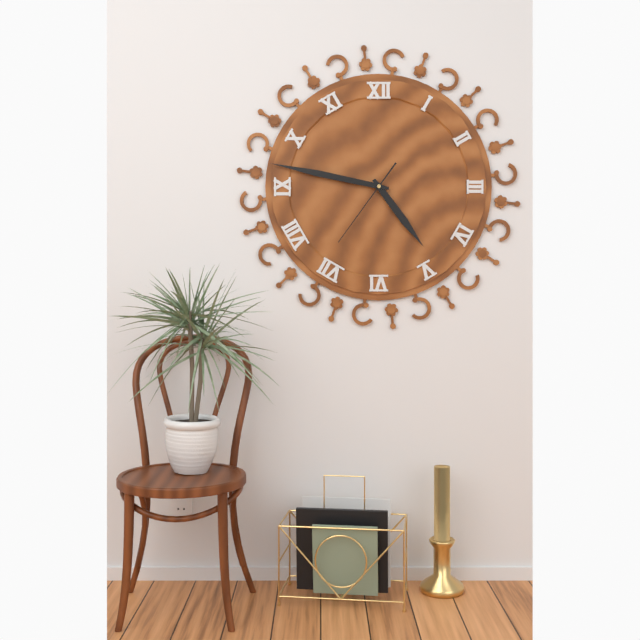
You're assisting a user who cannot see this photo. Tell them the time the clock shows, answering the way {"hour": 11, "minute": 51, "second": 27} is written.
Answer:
{"hour": 4, "minute": 47, "second": 36}
